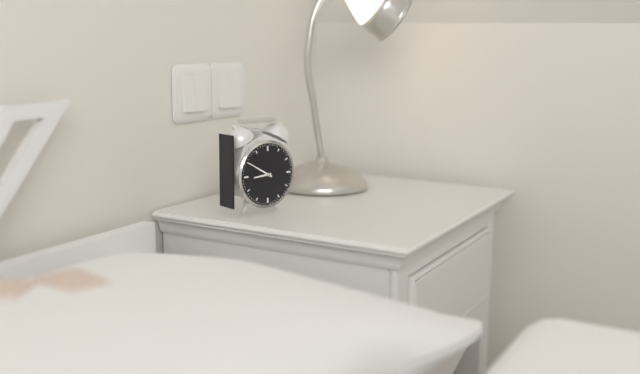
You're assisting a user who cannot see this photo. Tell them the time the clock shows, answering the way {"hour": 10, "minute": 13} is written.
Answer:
{"hour": 8, "minute": 50}
